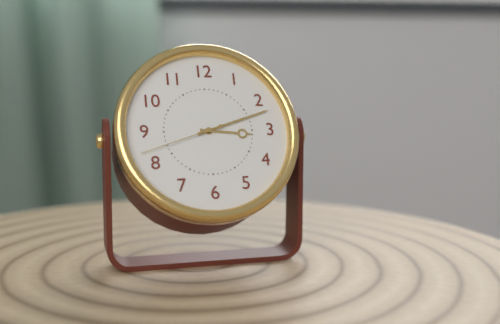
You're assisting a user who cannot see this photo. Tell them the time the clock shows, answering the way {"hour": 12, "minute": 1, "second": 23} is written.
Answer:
{"hour": 3, "minute": 12, "second": 42}
